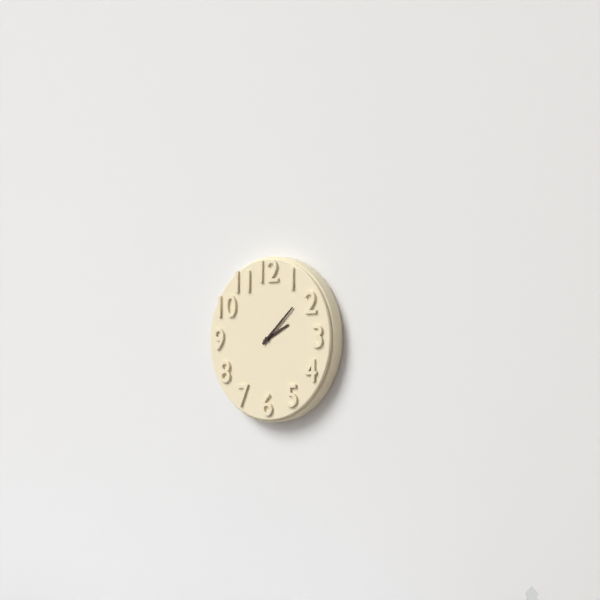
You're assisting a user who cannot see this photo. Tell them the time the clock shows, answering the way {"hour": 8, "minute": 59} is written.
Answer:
{"hour": 2, "minute": 8}
